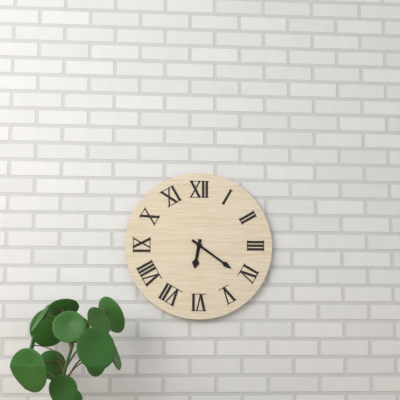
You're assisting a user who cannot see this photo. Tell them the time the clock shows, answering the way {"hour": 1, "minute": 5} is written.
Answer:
{"hour": 6, "minute": 21}
